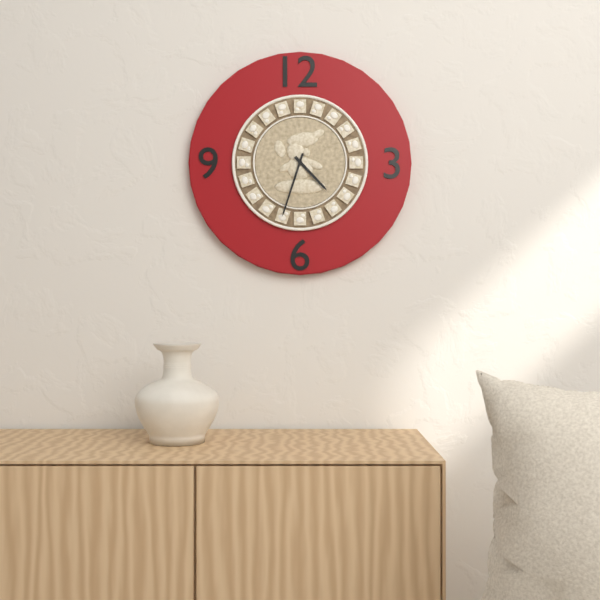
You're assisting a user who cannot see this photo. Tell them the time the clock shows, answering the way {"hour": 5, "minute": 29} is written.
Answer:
{"hour": 4, "minute": 33}
